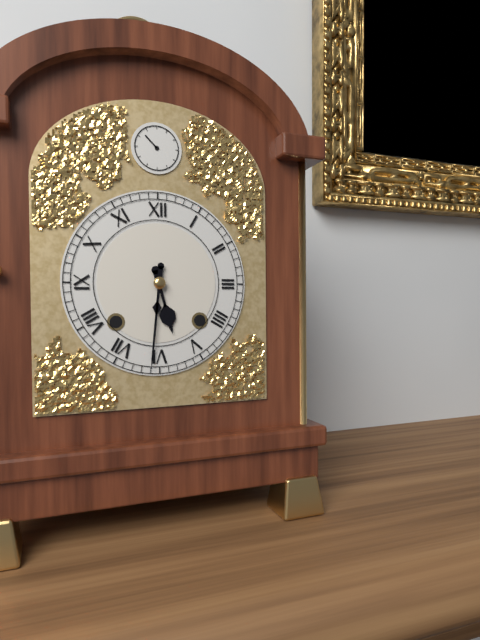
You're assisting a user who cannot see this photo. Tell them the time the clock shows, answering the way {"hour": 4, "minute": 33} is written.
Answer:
{"hour": 5, "minute": 31}
